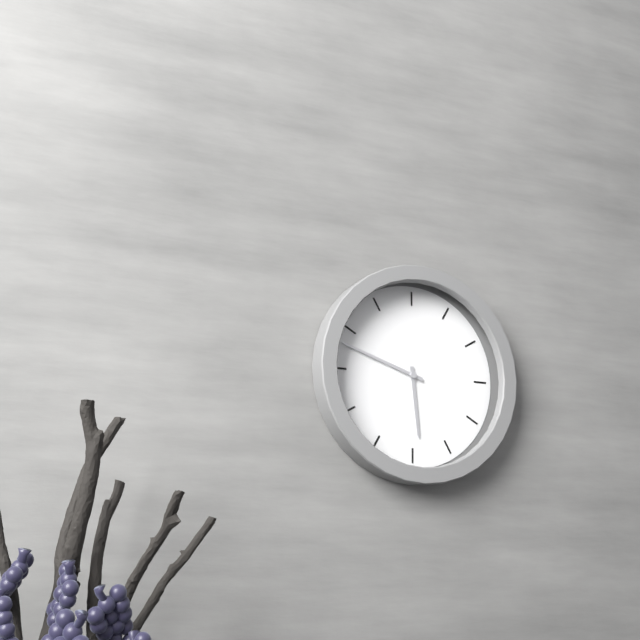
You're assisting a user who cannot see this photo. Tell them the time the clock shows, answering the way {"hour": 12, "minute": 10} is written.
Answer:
{"hour": 5, "minute": 48}
